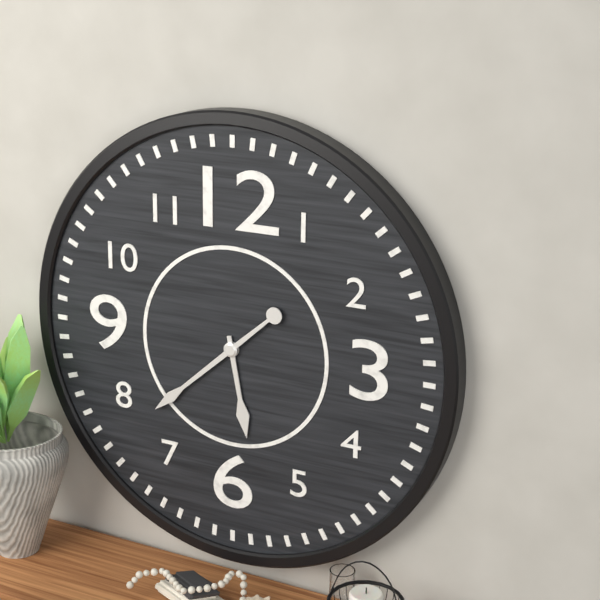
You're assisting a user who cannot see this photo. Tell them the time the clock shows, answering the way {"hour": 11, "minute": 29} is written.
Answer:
{"hour": 5, "minute": 38}
